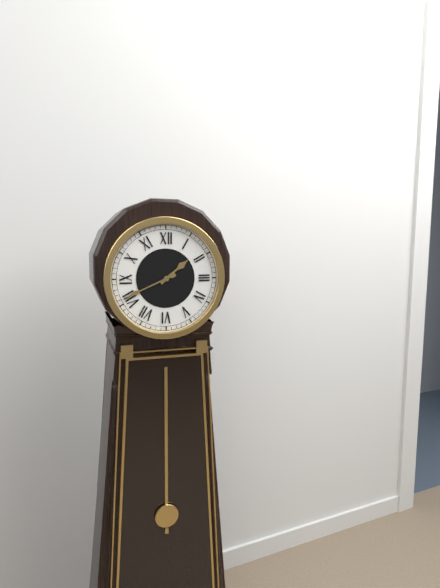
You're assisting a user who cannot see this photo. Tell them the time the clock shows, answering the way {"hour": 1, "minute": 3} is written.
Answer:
{"hour": 1, "minute": 41}
